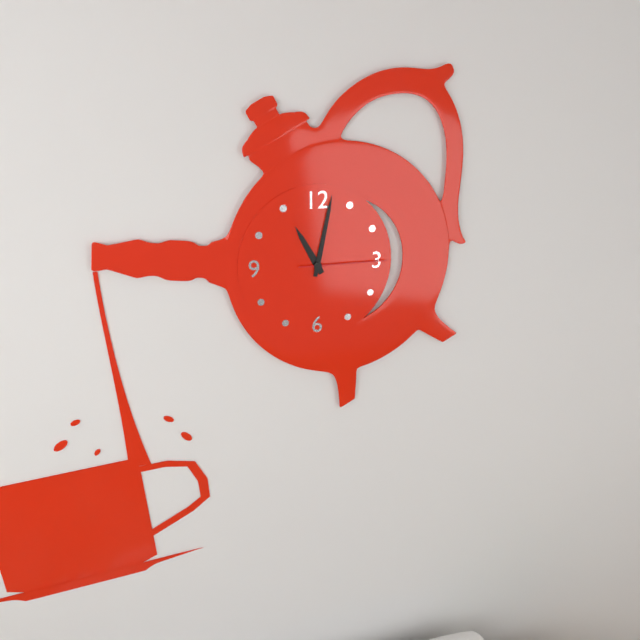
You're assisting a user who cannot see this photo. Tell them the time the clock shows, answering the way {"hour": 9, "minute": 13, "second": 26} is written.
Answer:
{"hour": 11, "minute": 2, "second": 15}
